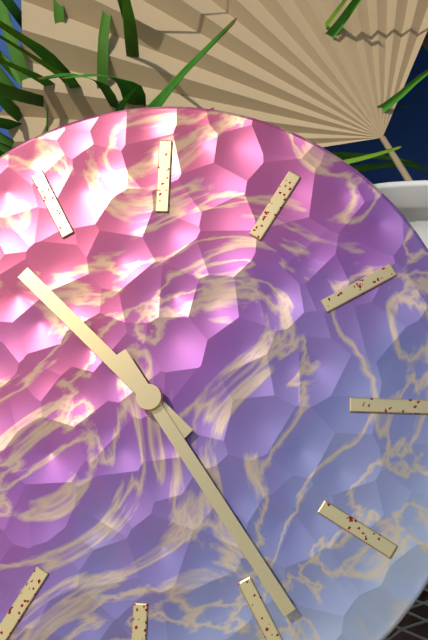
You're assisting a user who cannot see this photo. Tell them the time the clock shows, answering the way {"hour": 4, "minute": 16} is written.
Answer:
{"hour": 10, "minute": 24}
